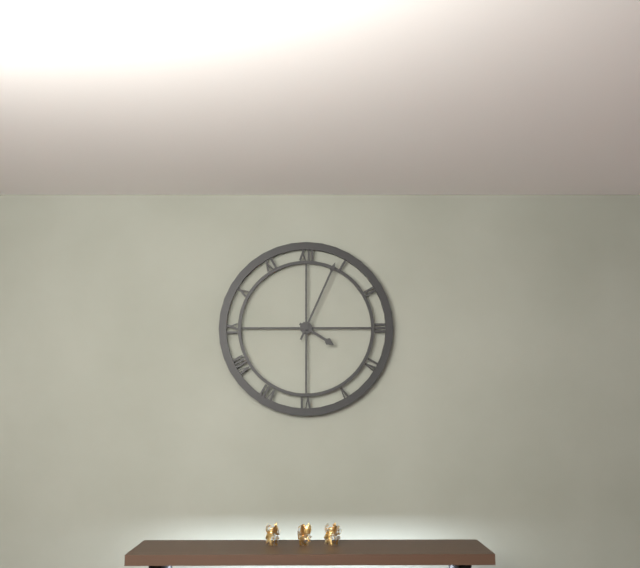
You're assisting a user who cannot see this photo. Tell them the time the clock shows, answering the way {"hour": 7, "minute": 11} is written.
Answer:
{"hour": 4, "minute": 4}
